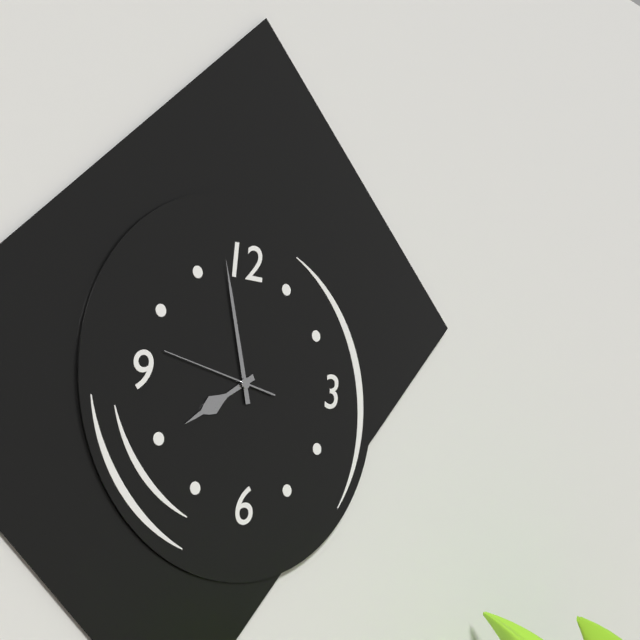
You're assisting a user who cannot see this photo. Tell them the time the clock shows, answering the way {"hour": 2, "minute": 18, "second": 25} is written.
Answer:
{"hour": 7, "minute": 58, "second": 47}
